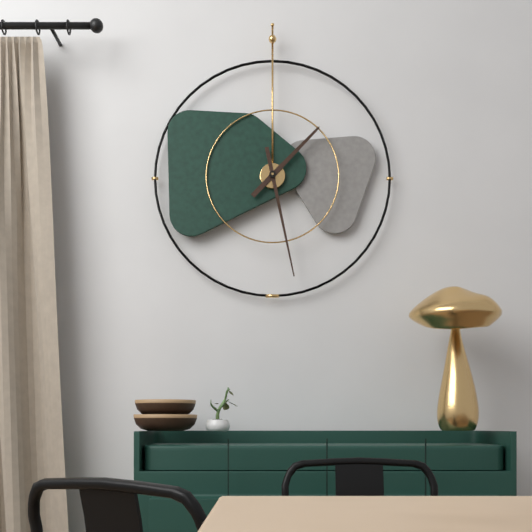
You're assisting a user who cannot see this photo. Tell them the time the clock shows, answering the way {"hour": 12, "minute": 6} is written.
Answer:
{"hour": 1, "minute": 28}
